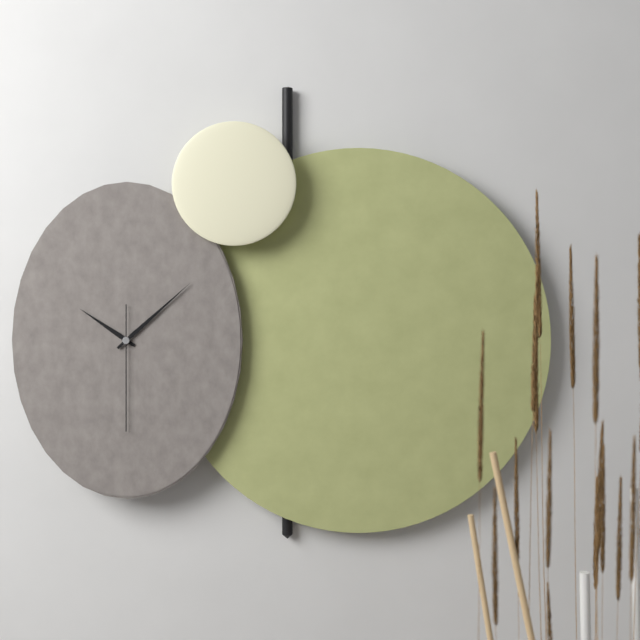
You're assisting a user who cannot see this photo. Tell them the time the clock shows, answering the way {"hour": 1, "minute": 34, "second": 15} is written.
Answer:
{"hour": 10, "minute": 8, "second": 30}
